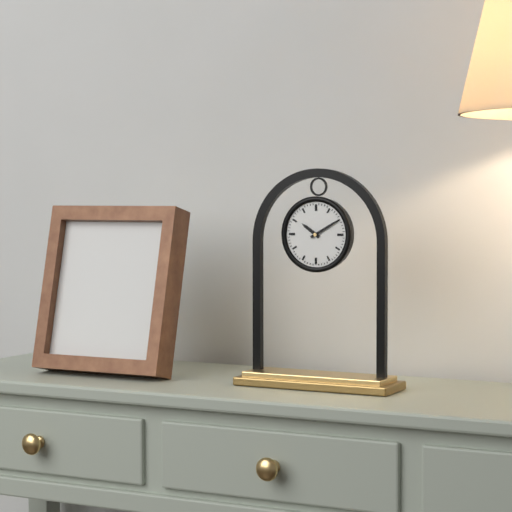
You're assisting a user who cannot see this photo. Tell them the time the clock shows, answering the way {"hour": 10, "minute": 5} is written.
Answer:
{"hour": 10, "minute": 10}
